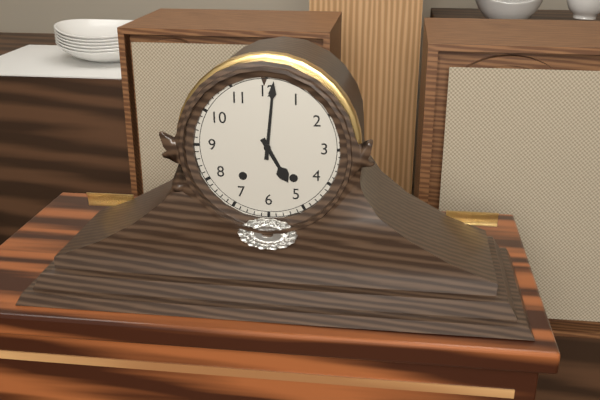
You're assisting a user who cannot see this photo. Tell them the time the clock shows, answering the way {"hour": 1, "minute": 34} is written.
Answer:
{"hour": 5, "minute": 1}
